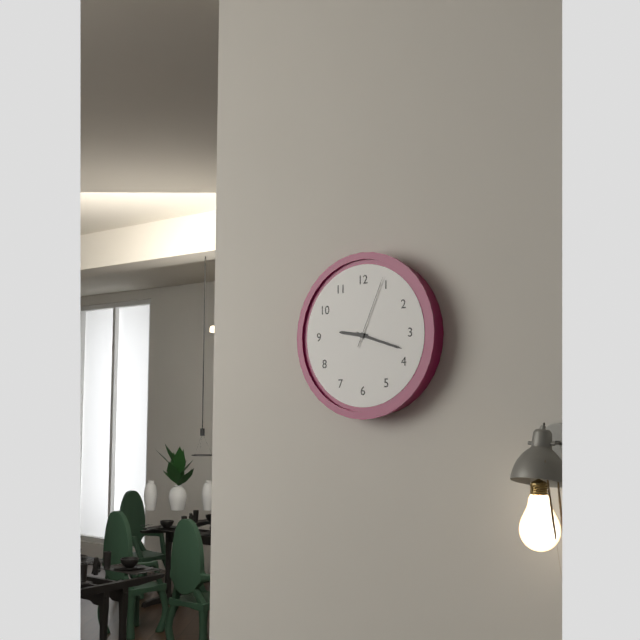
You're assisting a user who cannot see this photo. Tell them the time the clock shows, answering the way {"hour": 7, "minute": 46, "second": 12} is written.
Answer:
{"hour": 9, "minute": 18, "second": 4}
